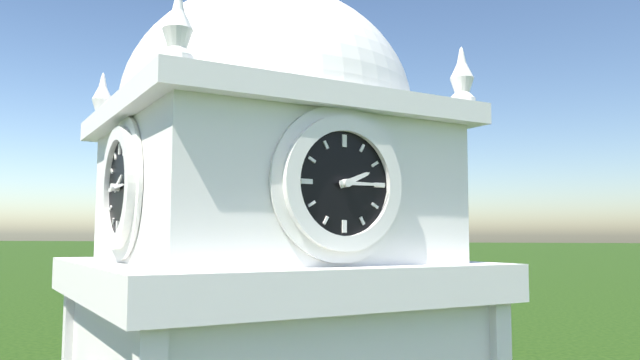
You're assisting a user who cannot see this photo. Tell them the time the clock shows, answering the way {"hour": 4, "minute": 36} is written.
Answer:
{"hour": 2, "minute": 15}
